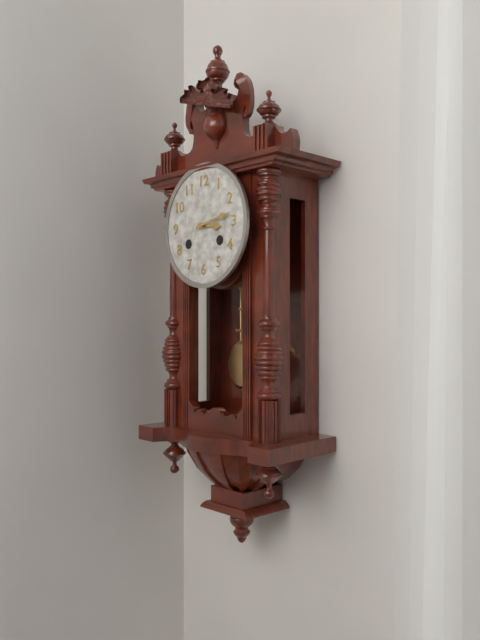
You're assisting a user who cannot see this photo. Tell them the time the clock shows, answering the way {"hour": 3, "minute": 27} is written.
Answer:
{"hour": 3, "minute": 13}
